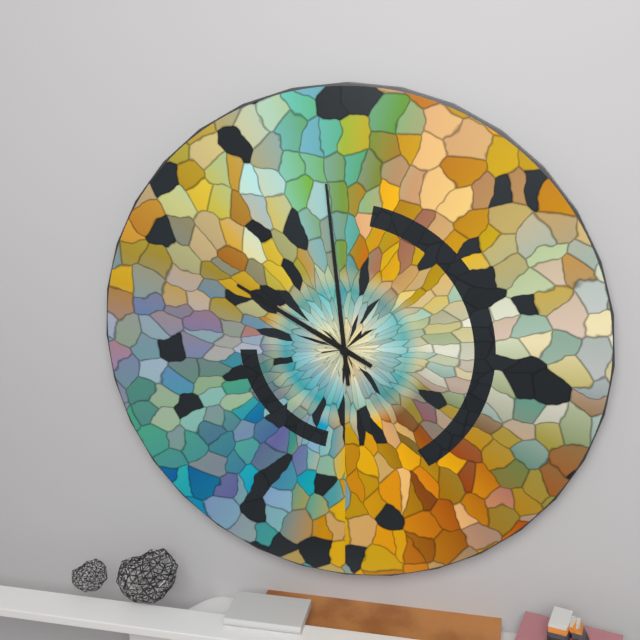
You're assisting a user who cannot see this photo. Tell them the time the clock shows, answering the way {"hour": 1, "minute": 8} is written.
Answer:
{"hour": 9, "minute": 59}
